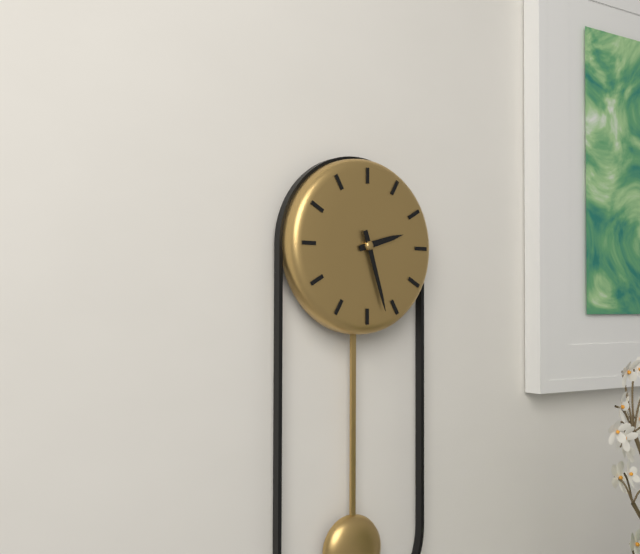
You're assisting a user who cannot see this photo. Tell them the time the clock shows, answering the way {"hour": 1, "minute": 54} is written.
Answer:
{"hour": 2, "minute": 27}
